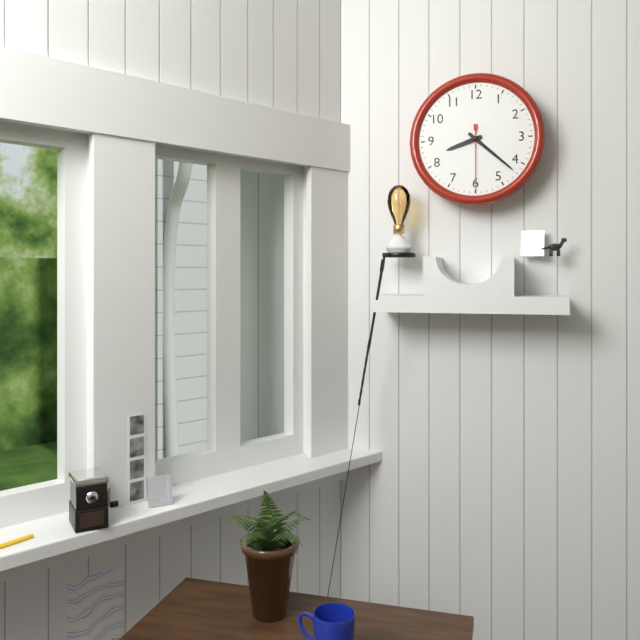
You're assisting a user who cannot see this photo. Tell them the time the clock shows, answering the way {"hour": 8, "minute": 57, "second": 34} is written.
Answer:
{"hour": 8, "minute": 22, "second": 30}
